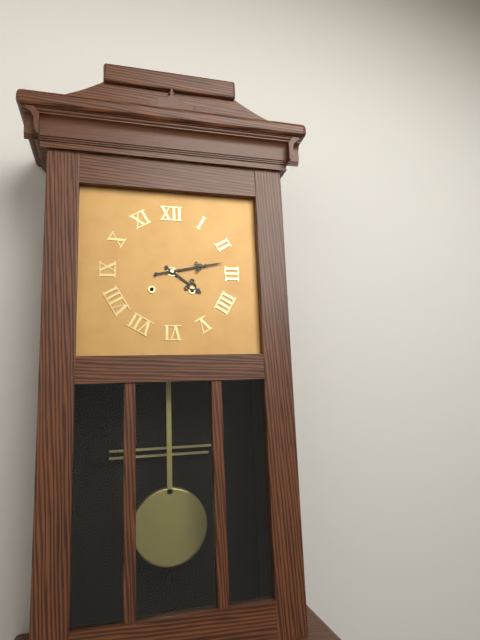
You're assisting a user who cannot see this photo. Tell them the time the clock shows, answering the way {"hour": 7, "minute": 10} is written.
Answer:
{"hour": 4, "minute": 13}
